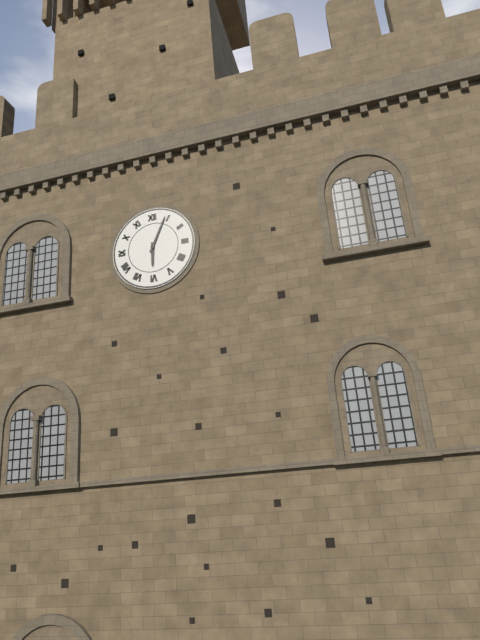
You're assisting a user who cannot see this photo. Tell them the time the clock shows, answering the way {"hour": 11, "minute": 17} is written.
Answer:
{"hour": 6, "minute": 4}
